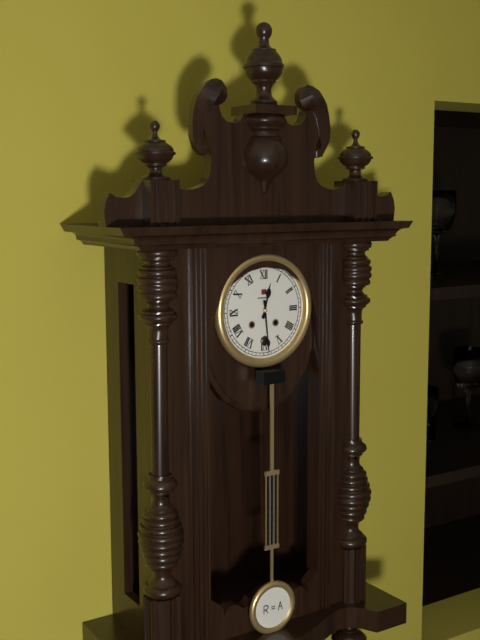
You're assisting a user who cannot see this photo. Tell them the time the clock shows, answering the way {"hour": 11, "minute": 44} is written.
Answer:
{"hour": 12, "minute": 29}
